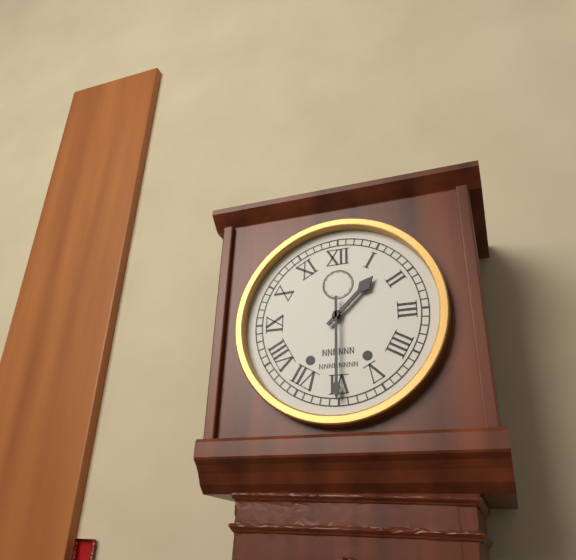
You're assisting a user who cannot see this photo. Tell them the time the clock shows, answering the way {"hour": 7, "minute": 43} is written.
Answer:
{"hour": 1, "minute": 30}
